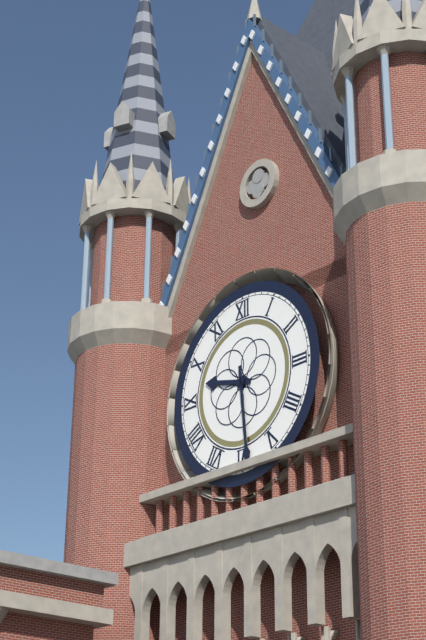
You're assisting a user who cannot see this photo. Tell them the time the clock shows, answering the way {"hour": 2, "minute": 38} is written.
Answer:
{"hour": 9, "minute": 29}
